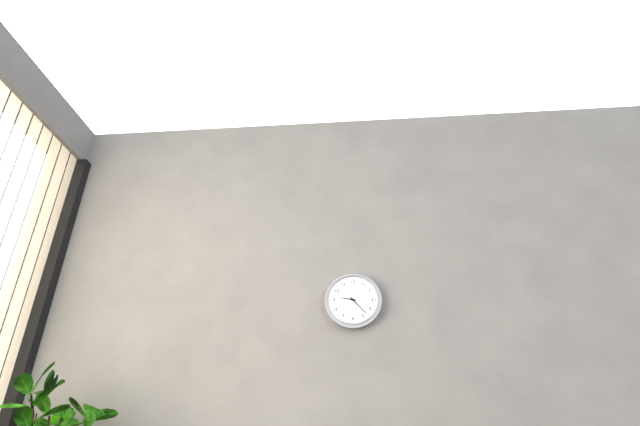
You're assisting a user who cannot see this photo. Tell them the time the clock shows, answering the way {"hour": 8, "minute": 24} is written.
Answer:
{"hour": 9, "minute": 23}
